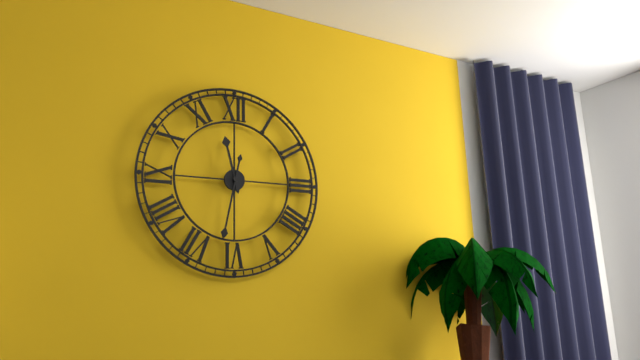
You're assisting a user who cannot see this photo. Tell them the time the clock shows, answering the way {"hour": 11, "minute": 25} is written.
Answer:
{"hour": 11, "minute": 32}
